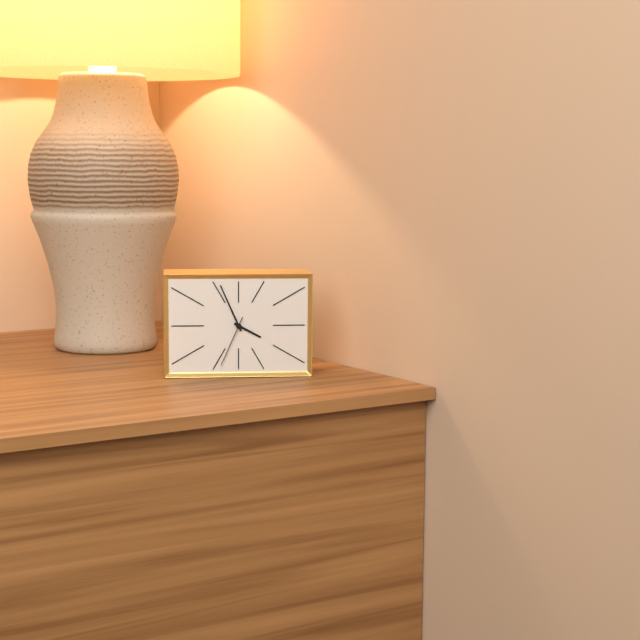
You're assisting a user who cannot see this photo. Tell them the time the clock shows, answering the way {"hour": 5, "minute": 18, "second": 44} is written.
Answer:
{"hour": 3, "minute": 56, "second": 34}
